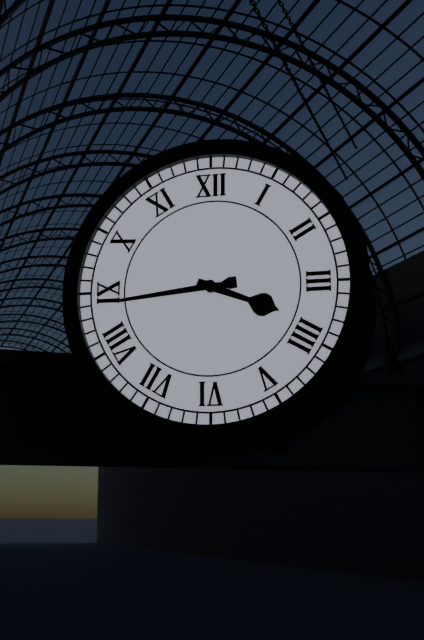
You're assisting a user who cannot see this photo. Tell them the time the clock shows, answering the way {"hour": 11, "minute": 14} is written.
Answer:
{"hour": 3, "minute": 44}
